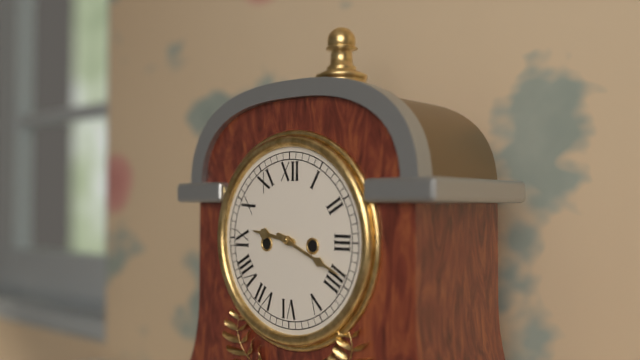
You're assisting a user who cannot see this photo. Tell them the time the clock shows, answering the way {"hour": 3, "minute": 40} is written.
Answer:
{"hour": 9, "minute": 19}
